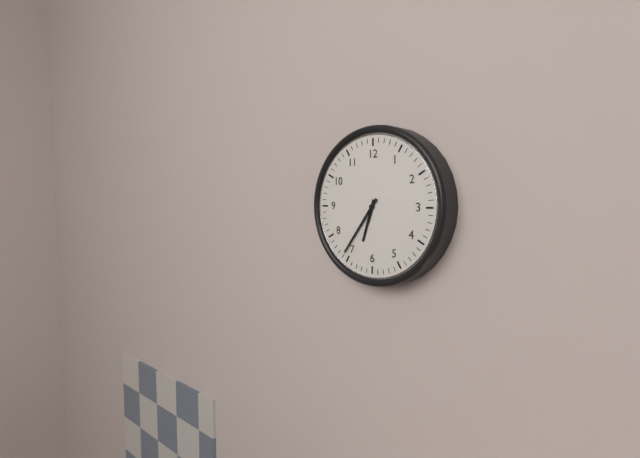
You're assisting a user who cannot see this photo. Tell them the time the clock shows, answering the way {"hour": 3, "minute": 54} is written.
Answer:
{"hour": 6, "minute": 36}
